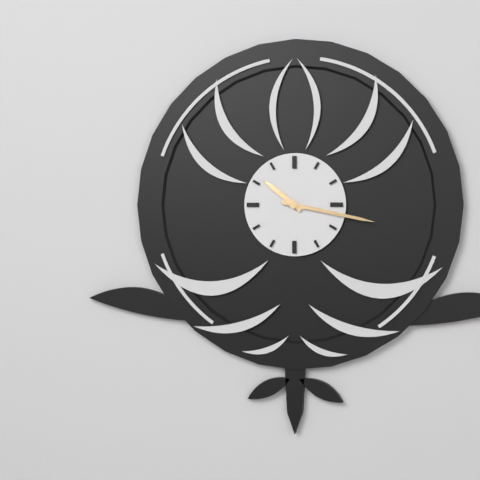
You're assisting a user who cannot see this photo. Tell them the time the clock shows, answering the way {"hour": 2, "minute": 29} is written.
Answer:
{"hour": 10, "minute": 17}
